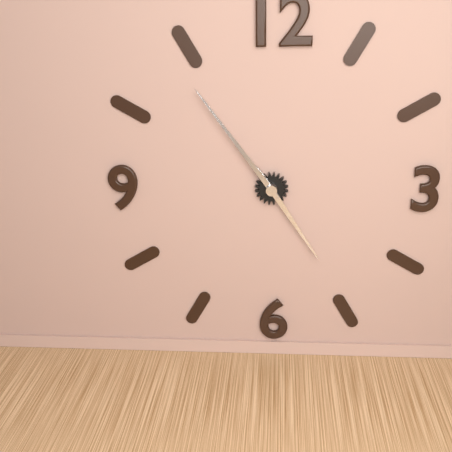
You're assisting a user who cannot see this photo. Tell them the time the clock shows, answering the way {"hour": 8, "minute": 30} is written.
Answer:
{"hour": 4, "minute": 54}
